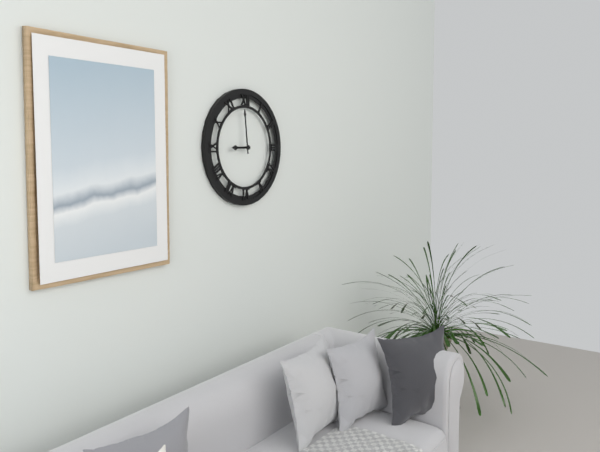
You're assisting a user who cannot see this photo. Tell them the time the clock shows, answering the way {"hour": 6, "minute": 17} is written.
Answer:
{"hour": 8, "minute": 59}
